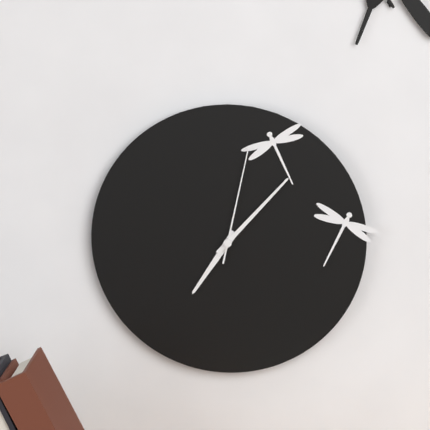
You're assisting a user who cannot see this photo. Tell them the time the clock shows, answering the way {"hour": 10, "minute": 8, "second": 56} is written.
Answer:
{"hour": 7, "minute": 7, "second": 2}
